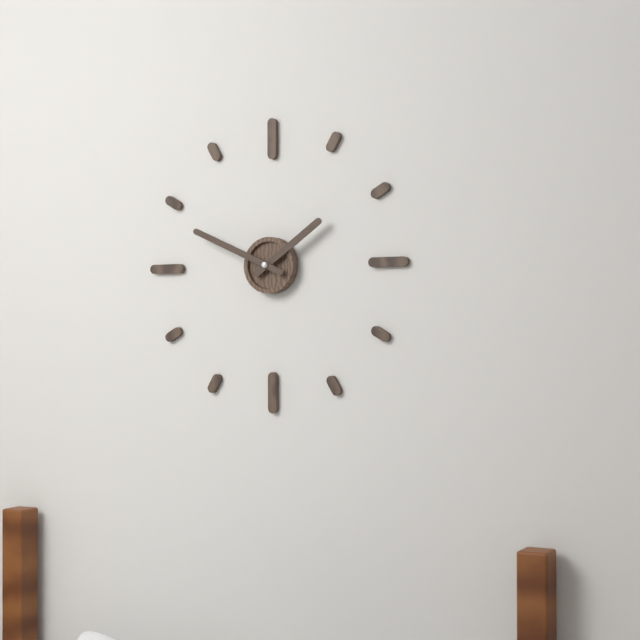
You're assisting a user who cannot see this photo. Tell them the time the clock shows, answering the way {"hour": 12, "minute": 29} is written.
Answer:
{"hour": 1, "minute": 49}
